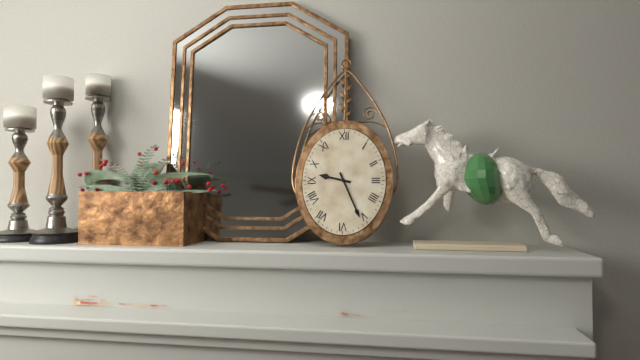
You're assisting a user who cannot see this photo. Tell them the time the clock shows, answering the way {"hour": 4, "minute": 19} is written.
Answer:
{"hour": 9, "minute": 26}
